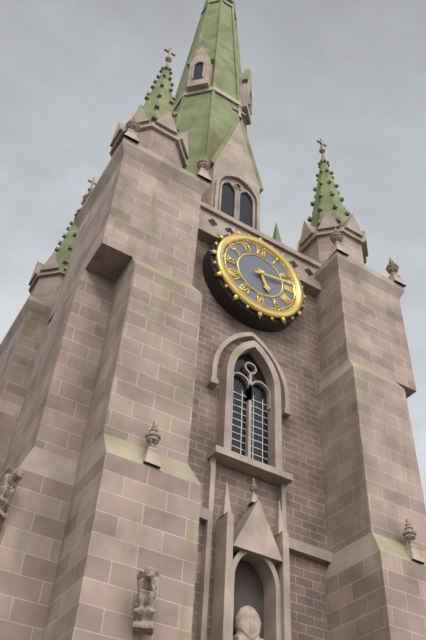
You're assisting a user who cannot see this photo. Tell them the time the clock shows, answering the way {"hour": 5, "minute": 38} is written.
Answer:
{"hour": 5, "minute": 13}
